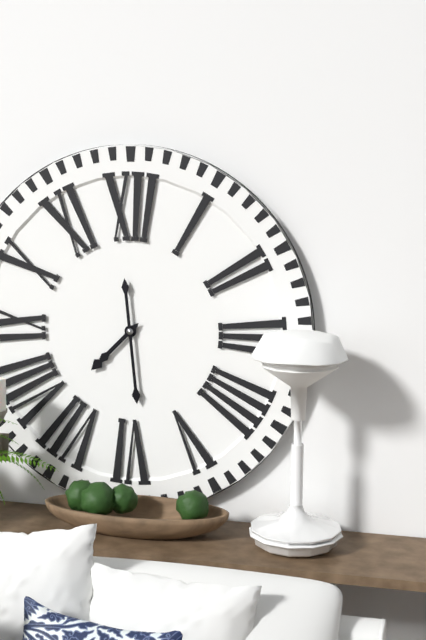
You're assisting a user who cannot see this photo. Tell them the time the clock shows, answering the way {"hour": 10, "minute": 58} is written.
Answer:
{"hour": 7, "minute": 29}
